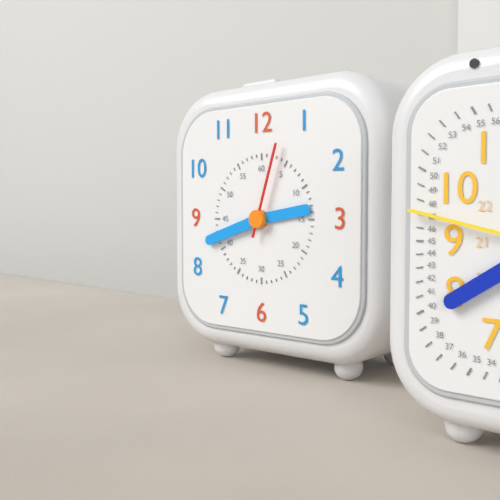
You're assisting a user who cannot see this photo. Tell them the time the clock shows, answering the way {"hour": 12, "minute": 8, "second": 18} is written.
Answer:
{"hour": 2, "minute": 42, "second": 3}
